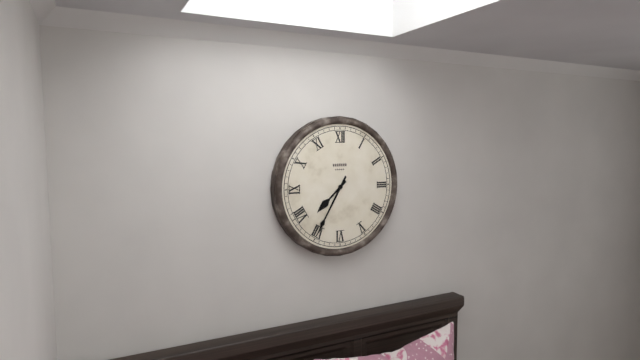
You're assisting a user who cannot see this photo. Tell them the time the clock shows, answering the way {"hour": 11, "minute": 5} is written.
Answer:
{"hour": 7, "minute": 35}
